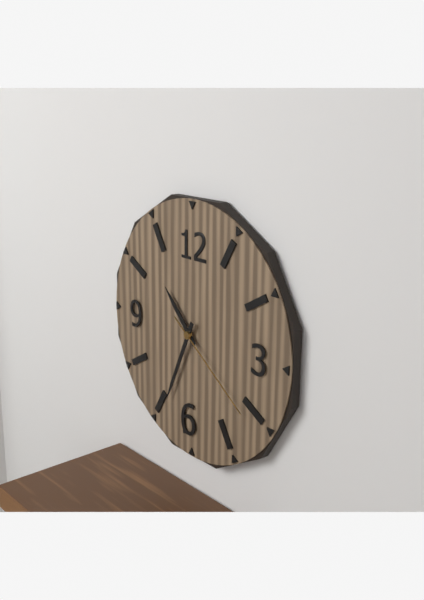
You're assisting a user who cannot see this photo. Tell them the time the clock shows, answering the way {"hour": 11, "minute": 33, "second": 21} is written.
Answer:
{"hour": 10, "minute": 34, "second": 21}
